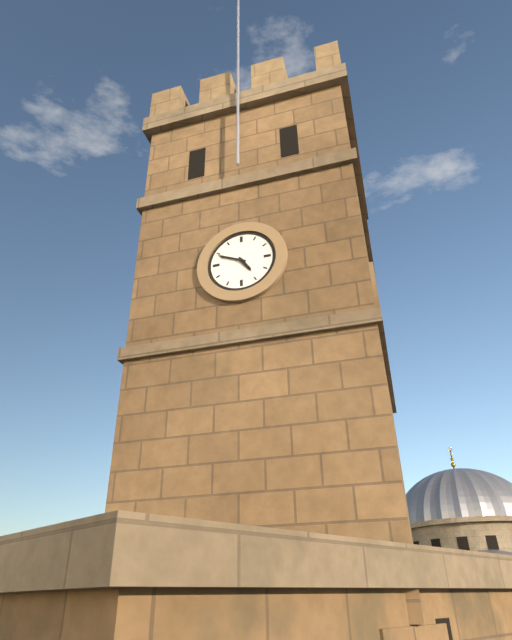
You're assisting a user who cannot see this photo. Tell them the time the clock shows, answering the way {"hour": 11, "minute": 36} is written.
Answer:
{"hour": 4, "minute": 49}
